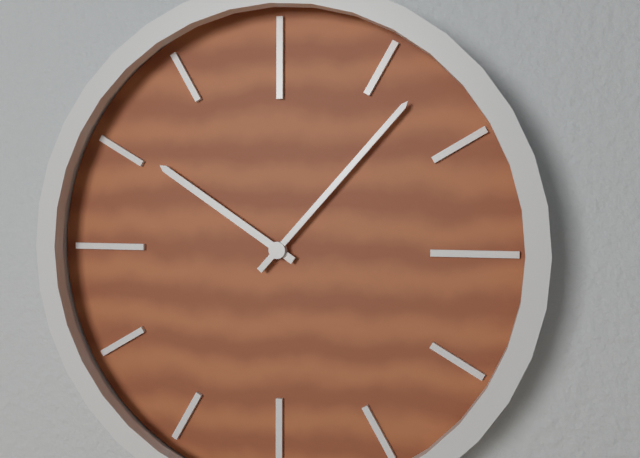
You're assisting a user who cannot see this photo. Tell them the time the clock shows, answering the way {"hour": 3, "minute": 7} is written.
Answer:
{"hour": 10, "minute": 7}
